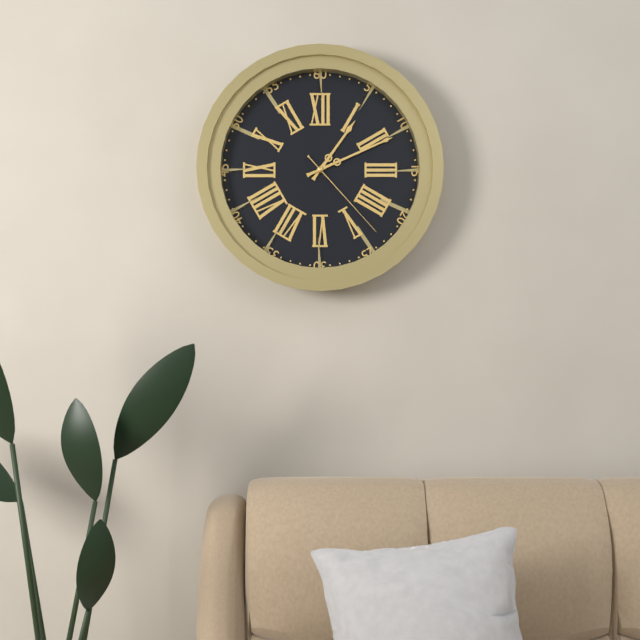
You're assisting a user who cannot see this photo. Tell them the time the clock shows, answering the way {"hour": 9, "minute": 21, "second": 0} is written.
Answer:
{"hour": 1, "minute": 11, "second": 23}
